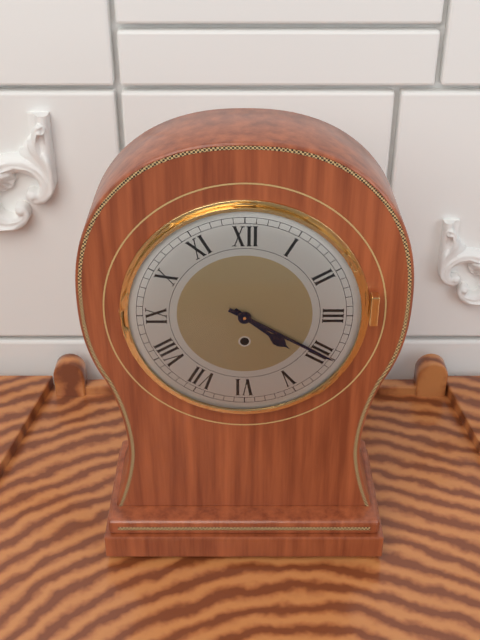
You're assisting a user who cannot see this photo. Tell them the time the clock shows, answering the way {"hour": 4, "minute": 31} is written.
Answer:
{"hour": 4, "minute": 20}
